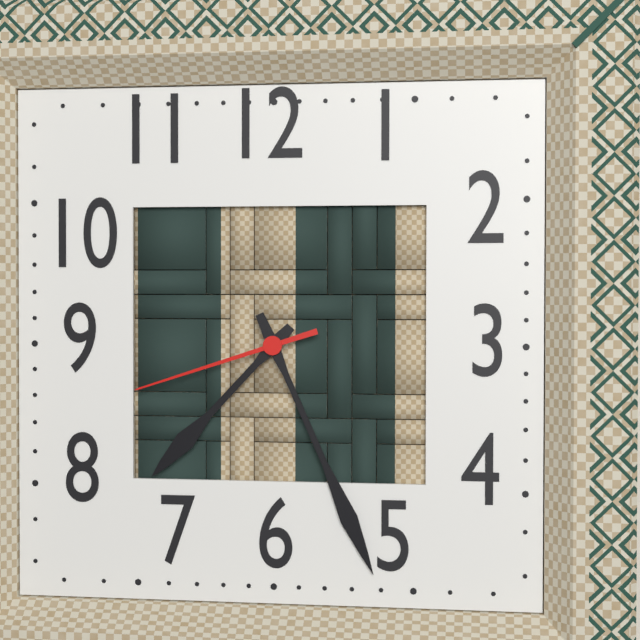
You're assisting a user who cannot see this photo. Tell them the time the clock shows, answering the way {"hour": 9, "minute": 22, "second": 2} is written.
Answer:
{"hour": 7, "minute": 26, "second": 42}
